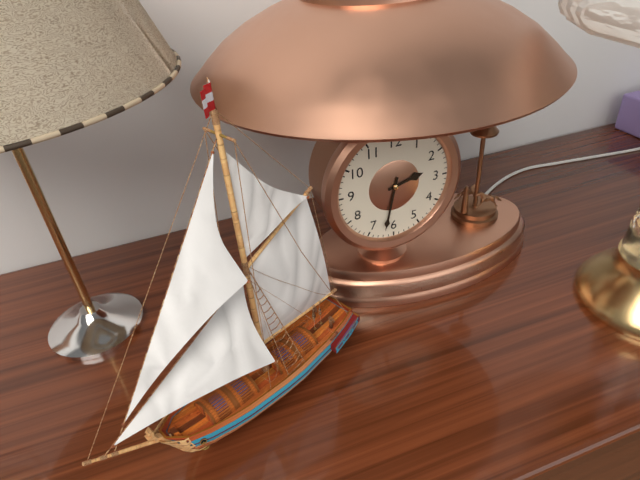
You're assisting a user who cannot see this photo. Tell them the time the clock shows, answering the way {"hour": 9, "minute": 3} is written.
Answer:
{"hour": 2, "minute": 32}
